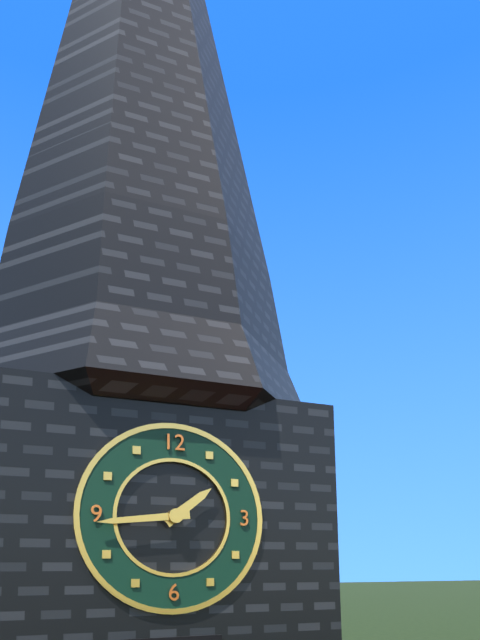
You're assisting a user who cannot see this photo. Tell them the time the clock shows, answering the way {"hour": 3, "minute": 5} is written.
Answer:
{"hour": 1, "minute": 44}
